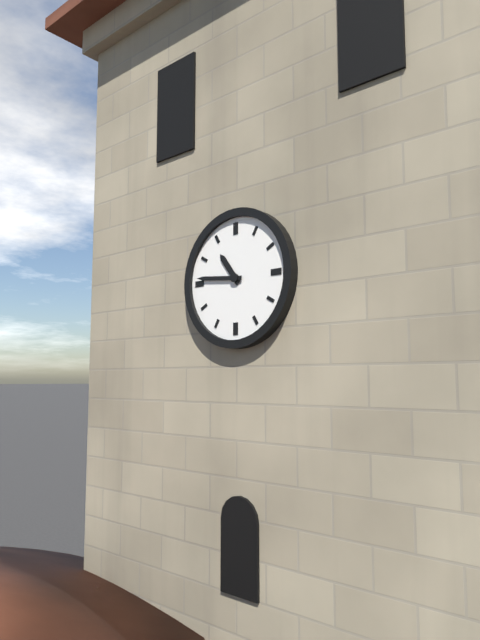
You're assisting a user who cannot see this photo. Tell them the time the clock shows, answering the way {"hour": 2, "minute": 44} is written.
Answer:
{"hour": 10, "minute": 46}
